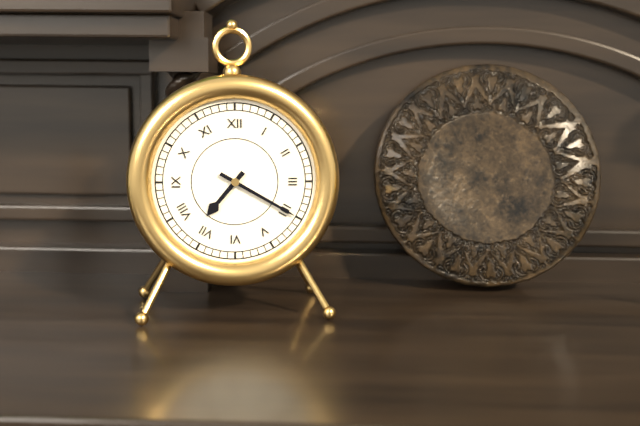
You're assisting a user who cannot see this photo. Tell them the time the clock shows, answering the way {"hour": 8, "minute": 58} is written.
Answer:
{"hour": 7, "minute": 20}
